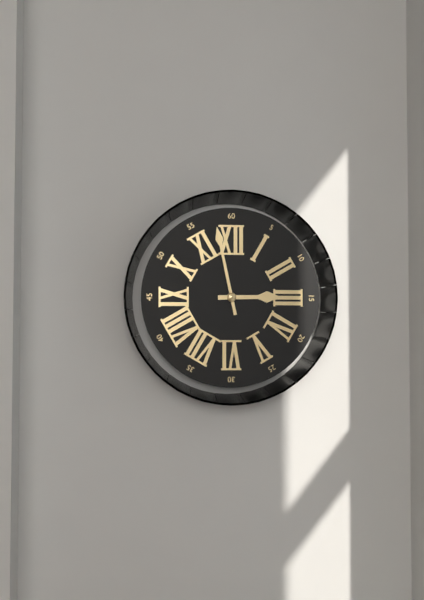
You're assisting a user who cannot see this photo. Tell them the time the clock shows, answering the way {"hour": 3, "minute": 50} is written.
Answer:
{"hour": 2, "minute": 58}
